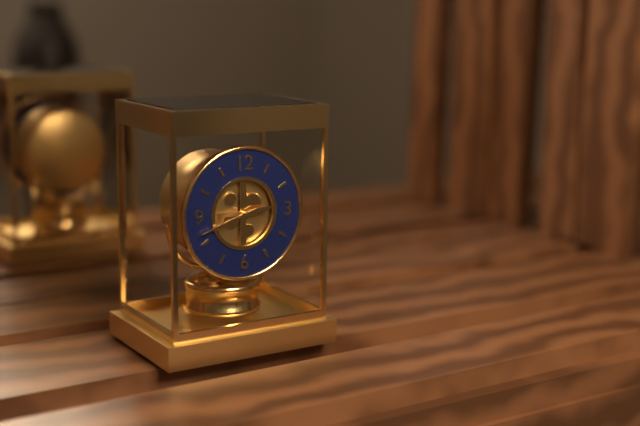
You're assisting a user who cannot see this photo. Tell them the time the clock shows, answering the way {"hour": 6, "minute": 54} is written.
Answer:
{"hour": 2, "minute": 42}
